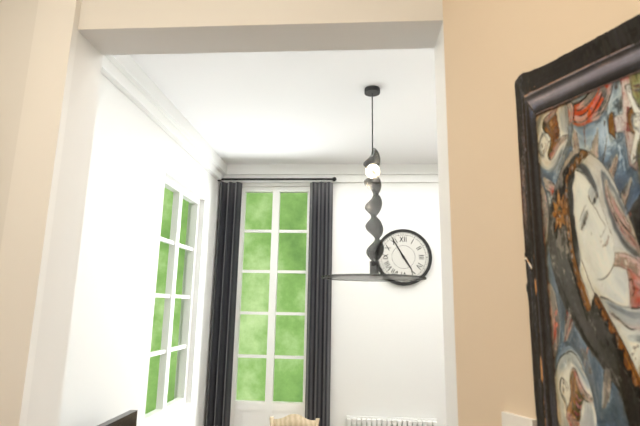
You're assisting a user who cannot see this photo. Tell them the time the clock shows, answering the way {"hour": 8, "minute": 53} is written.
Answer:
{"hour": 4, "minute": 55}
